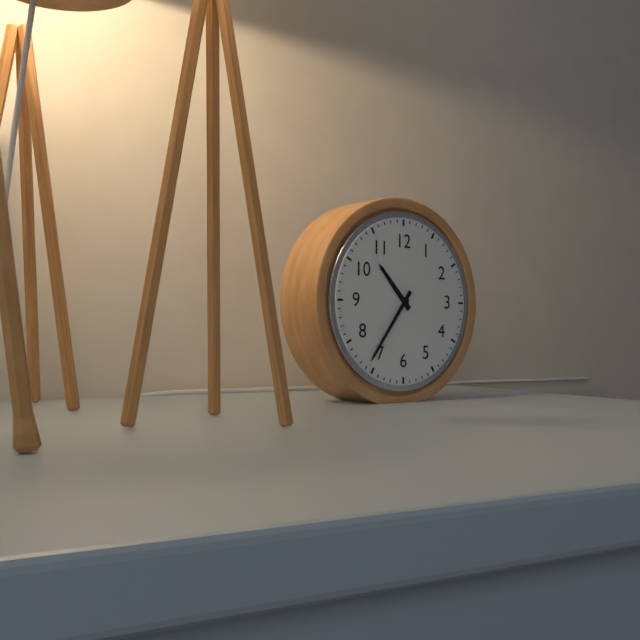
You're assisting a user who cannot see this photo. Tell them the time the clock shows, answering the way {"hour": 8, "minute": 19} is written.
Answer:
{"hour": 10, "minute": 36}
